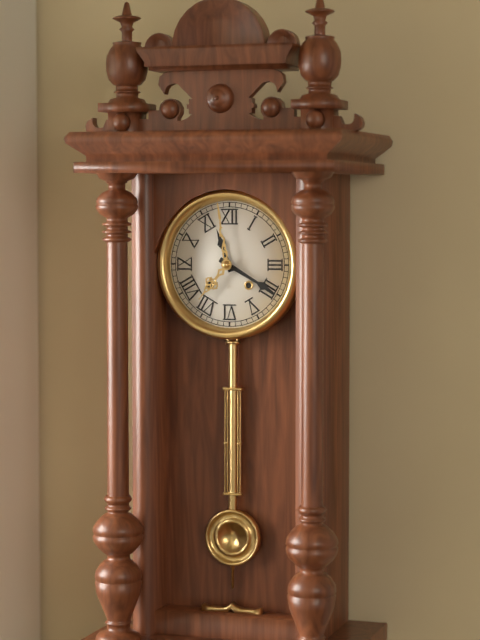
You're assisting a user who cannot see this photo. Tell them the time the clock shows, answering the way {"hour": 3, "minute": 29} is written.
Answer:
{"hour": 11, "minute": 20}
